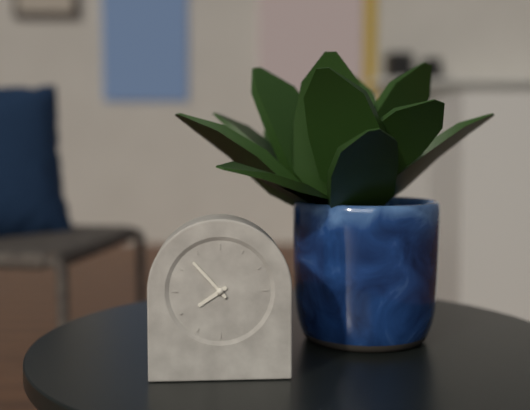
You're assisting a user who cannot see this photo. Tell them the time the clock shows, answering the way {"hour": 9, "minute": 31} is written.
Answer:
{"hour": 7, "minute": 53}
